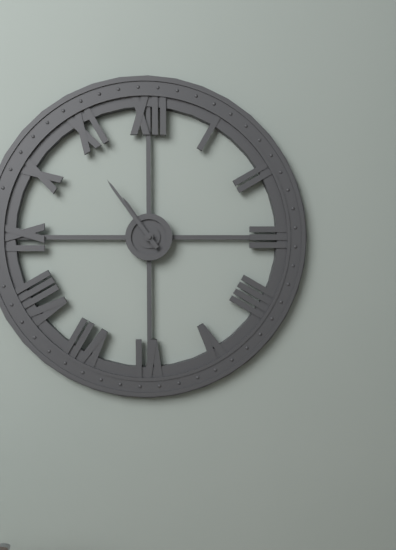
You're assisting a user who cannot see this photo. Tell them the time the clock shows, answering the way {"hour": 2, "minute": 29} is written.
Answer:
{"hour": 10, "minute": 54}
